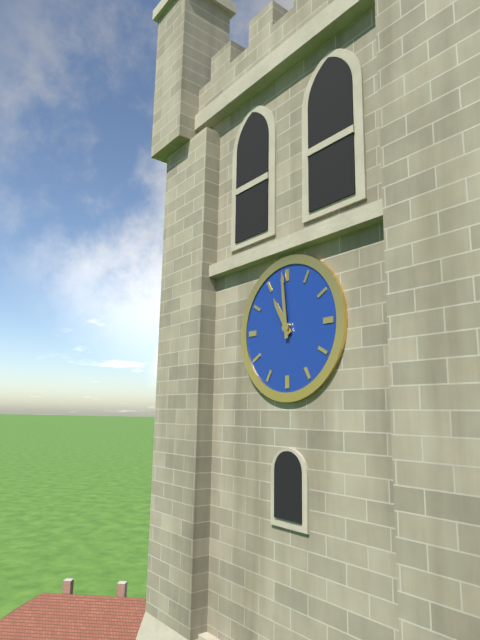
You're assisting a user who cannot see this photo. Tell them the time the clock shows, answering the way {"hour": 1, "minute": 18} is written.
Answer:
{"hour": 10, "minute": 59}
